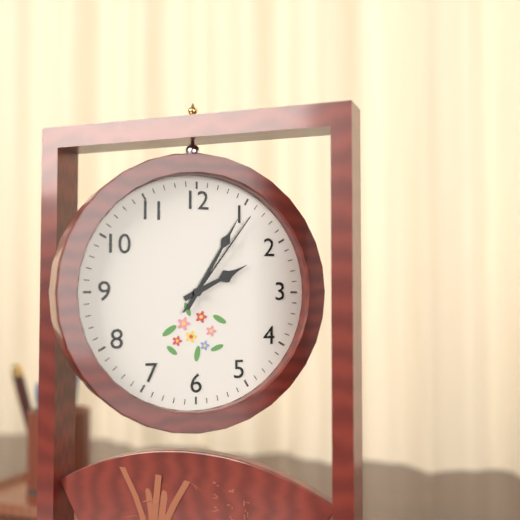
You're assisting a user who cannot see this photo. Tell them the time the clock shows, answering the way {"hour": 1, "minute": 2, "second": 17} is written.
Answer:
{"hour": 2, "minute": 5, "second": 6}
